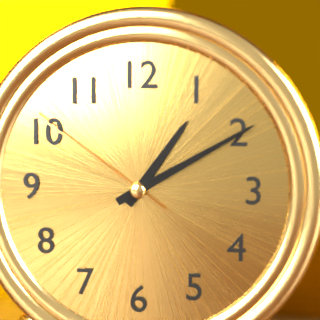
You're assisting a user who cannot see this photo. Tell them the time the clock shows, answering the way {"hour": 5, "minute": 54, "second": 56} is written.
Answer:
{"hour": 1, "minute": 10, "second": 51}
